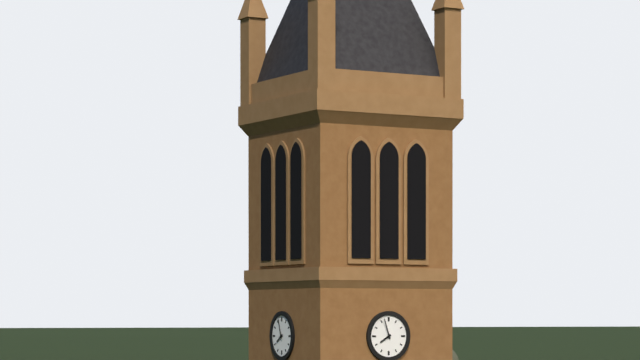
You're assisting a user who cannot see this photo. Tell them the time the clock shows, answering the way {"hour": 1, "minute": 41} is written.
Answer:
{"hour": 7, "minute": 57}
